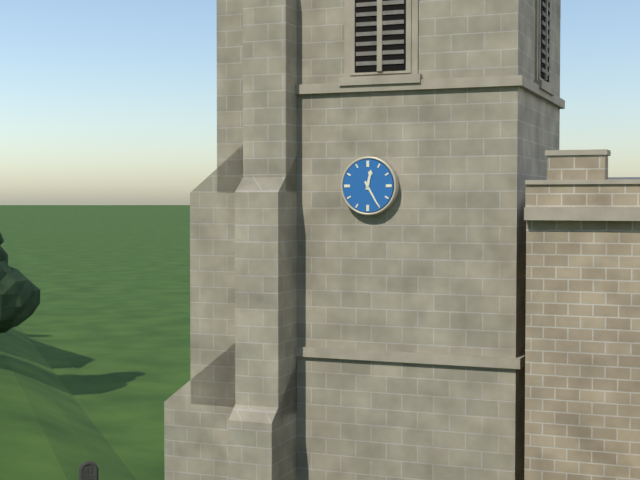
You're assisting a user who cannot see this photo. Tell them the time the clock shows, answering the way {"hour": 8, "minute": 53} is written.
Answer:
{"hour": 12, "minute": 25}
